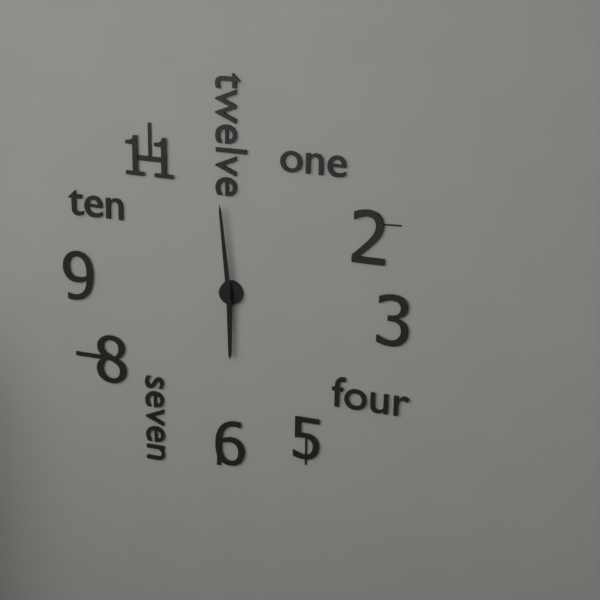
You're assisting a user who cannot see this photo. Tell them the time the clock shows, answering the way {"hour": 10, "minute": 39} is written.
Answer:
{"hour": 5, "minute": 59}
